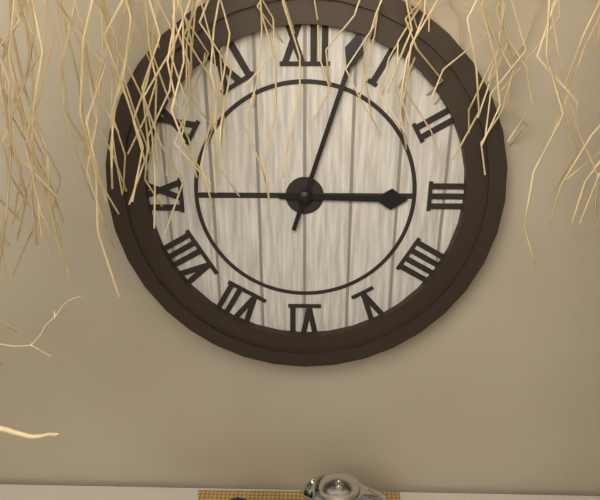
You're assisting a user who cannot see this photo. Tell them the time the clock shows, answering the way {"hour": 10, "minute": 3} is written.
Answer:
{"hour": 3, "minute": 3}
